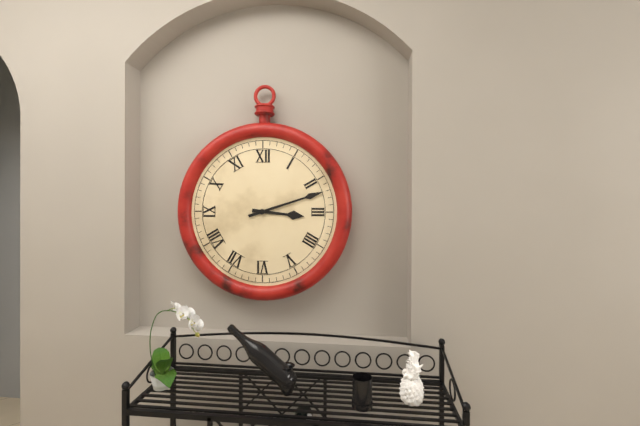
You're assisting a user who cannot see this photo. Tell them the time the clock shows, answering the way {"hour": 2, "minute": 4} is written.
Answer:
{"hour": 3, "minute": 12}
